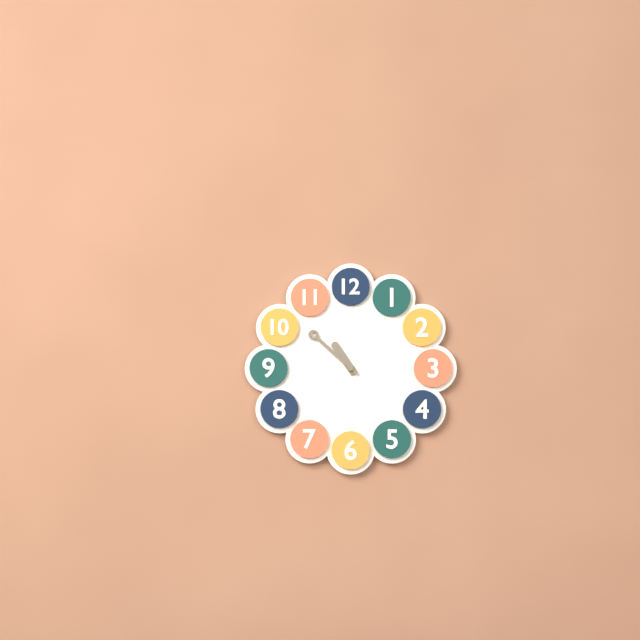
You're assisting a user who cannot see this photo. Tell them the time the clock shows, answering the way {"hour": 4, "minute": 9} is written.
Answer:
{"hour": 10, "minute": 52}
